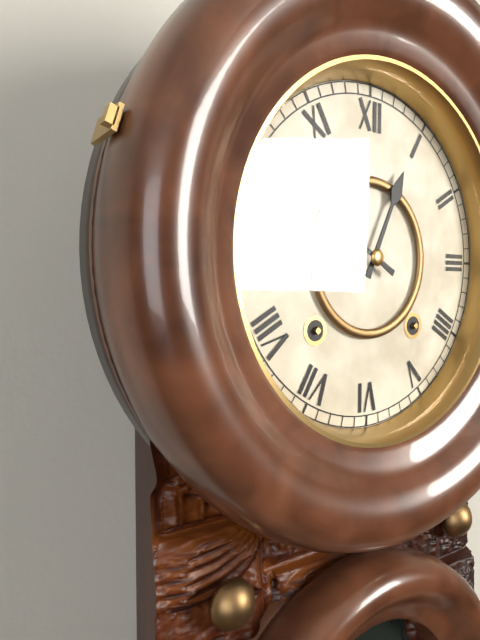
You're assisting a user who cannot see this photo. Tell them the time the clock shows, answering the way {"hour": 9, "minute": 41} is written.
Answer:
{"hour": 12, "minute": 50}
